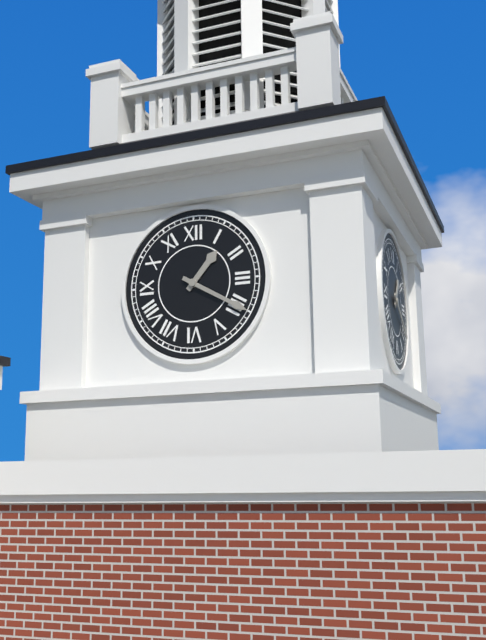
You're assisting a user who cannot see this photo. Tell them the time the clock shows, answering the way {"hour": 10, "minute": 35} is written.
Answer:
{"hour": 1, "minute": 20}
